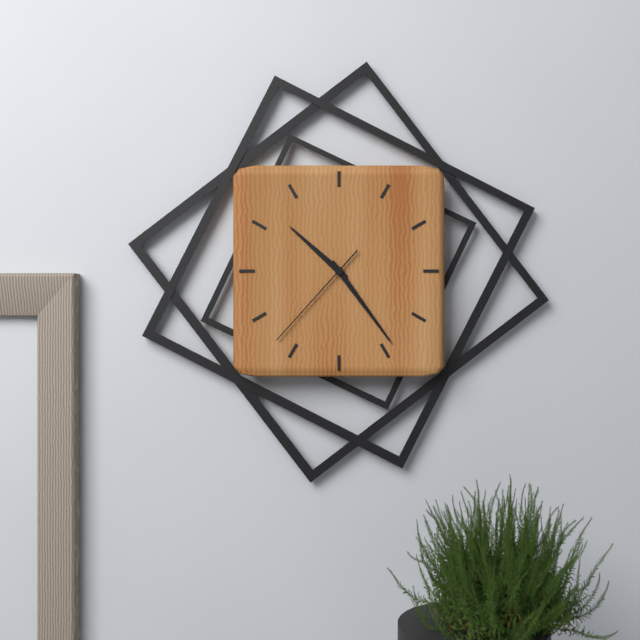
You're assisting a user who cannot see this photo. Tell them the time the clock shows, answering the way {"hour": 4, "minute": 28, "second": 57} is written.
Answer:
{"hour": 10, "minute": 24, "second": 37}
